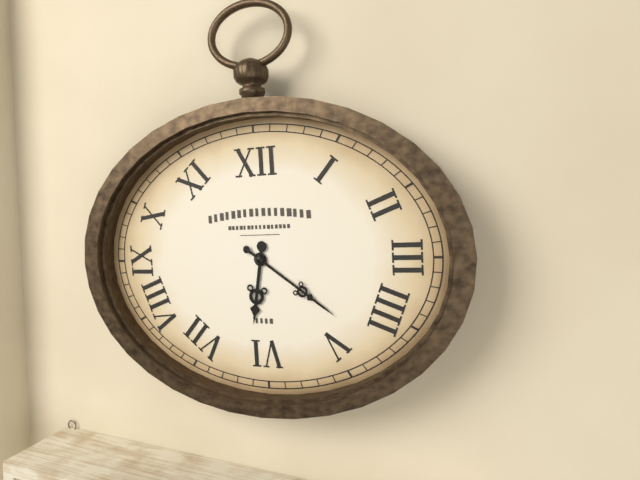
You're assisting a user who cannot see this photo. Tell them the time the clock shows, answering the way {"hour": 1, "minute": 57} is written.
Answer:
{"hour": 6, "minute": 21}
